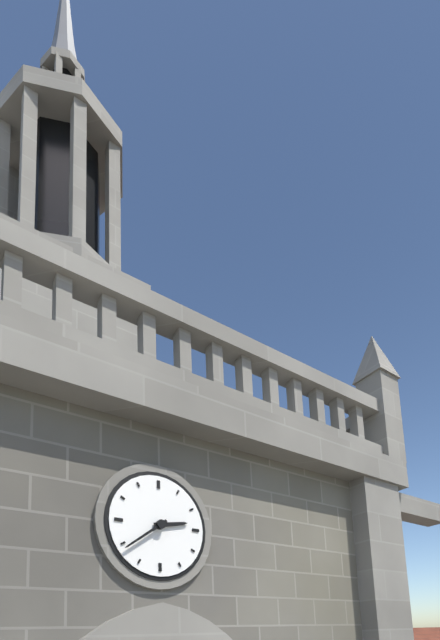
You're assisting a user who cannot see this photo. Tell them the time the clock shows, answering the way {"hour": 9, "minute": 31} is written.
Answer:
{"hour": 2, "minute": 39}
